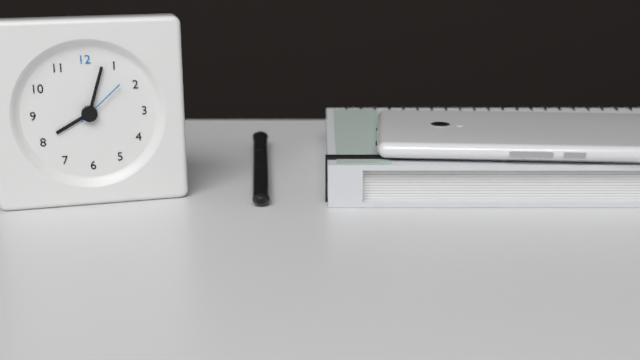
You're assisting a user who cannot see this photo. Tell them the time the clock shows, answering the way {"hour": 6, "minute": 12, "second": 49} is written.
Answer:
{"hour": 8, "minute": 3, "second": 8}
